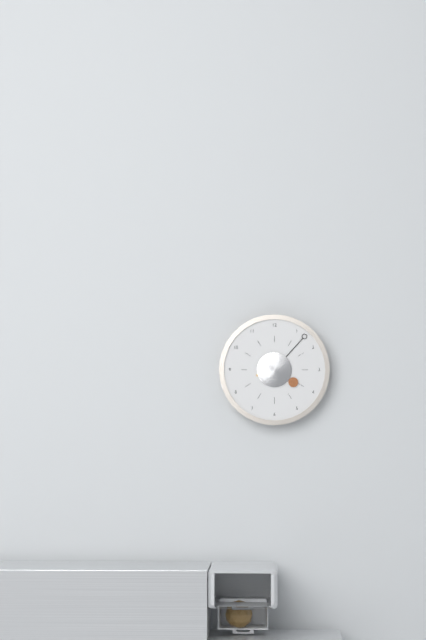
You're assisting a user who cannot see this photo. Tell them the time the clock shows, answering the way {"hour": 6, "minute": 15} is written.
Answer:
{"hour": 4, "minute": 7}
